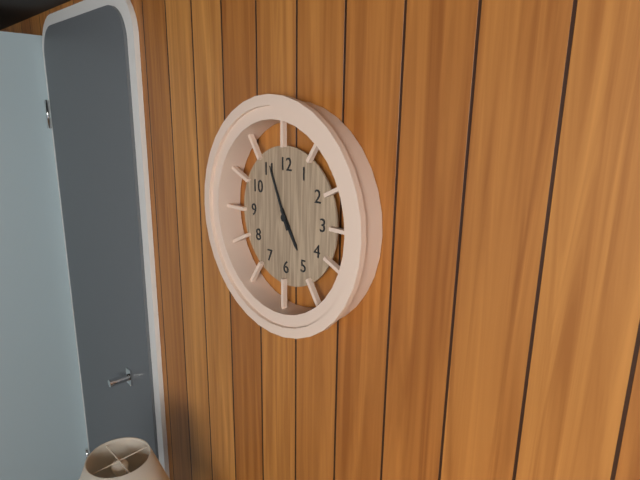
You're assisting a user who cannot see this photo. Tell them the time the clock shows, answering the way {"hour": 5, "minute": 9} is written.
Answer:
{"hour": 4, "minute": 56}
